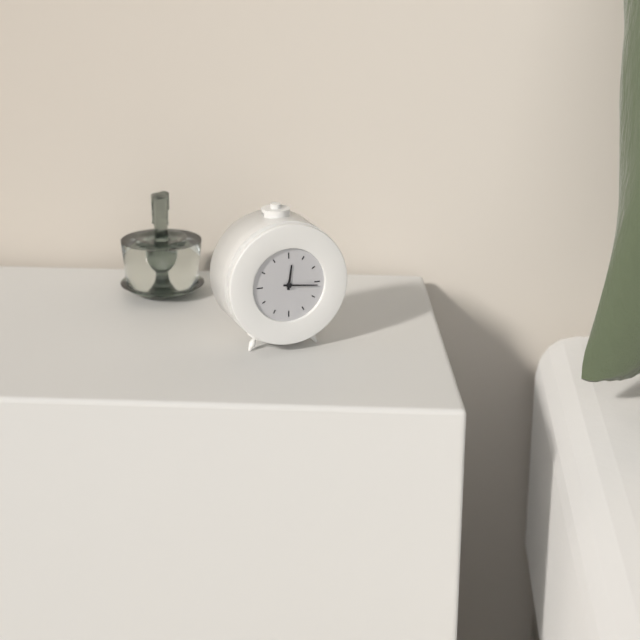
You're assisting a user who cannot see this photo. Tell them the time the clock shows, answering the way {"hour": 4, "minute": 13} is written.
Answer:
{"hour": 12, "minute": 16}
